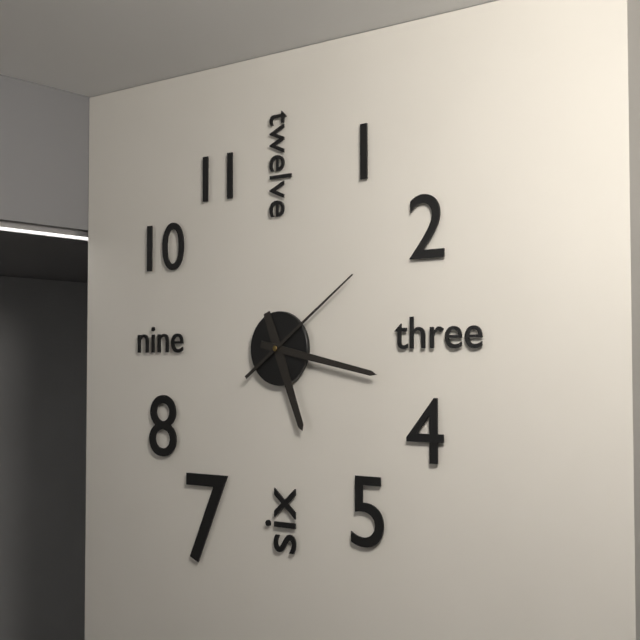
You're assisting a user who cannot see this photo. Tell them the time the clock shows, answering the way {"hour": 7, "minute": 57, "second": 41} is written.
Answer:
{"hour": 5, "minute": 17, "second": 9}
